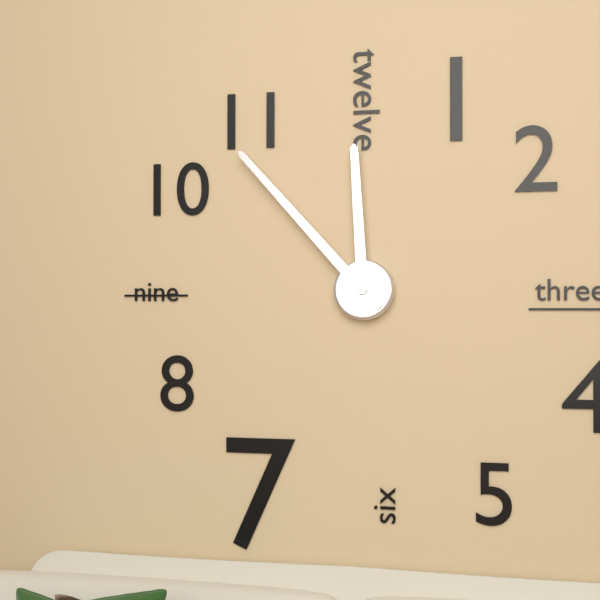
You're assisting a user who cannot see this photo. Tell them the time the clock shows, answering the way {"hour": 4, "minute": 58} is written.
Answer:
{"hour": 11, "minute": 53}
